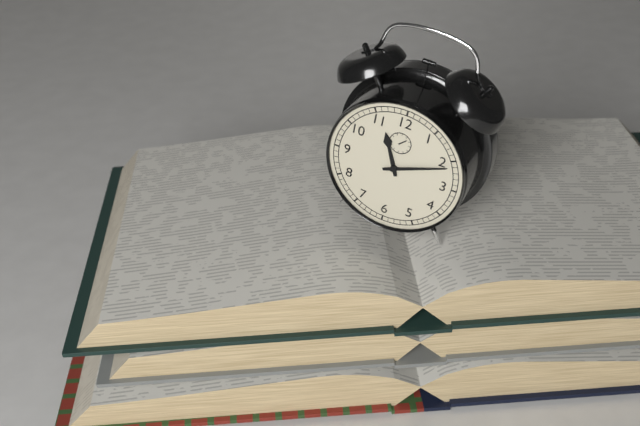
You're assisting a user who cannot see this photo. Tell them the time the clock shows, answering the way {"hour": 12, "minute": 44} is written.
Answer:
{"hour": 11, "minute": 11}
